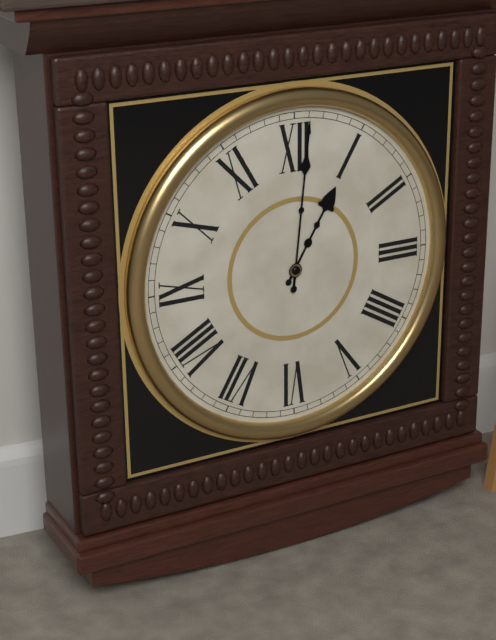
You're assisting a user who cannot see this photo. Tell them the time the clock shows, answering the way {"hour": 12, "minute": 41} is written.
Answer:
{"hour": 1, "minute": 1}
